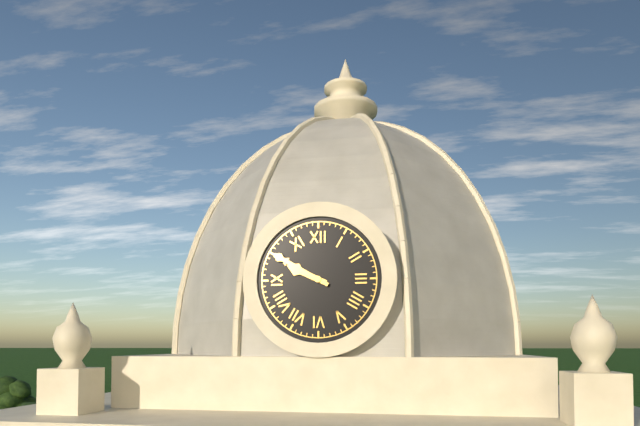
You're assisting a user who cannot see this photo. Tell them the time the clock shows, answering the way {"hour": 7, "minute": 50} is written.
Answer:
{"hour": 9, "minute": 50}
